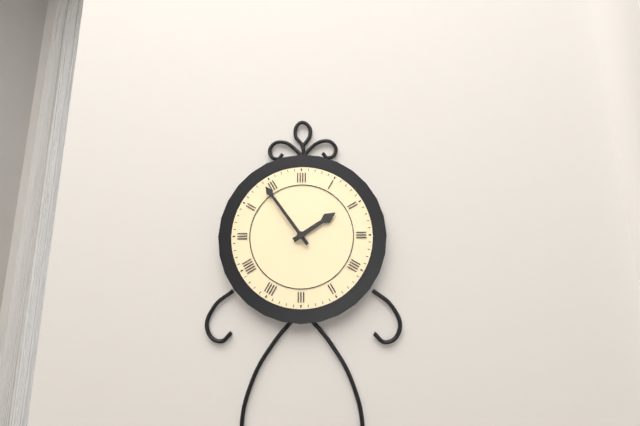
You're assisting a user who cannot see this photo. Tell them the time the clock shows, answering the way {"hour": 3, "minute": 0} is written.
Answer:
{"hour": 1, "minute": 54}
